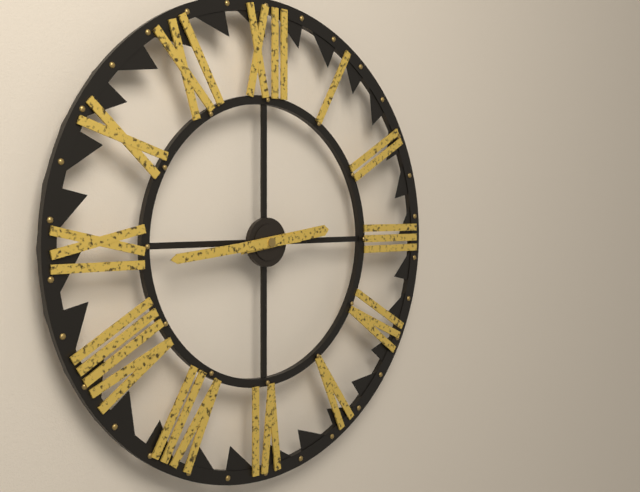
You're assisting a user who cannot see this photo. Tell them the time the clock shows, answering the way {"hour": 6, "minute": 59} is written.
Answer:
{"hour": 2, "minute": 44}
